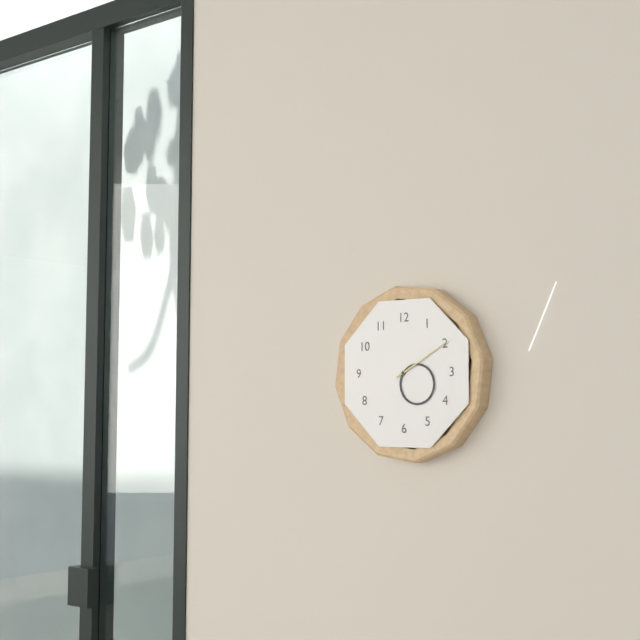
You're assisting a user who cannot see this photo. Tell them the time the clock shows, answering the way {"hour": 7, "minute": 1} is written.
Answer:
{"hour": 4, "minute": 10}
